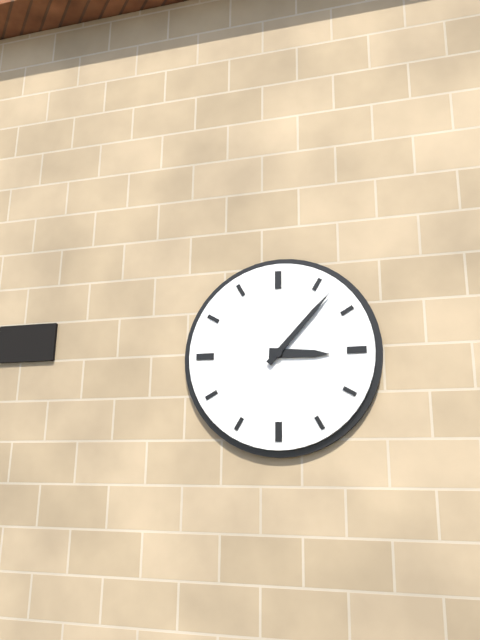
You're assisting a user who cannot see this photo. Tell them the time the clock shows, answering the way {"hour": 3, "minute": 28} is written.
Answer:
{"hour": 3, "minute": 7}
